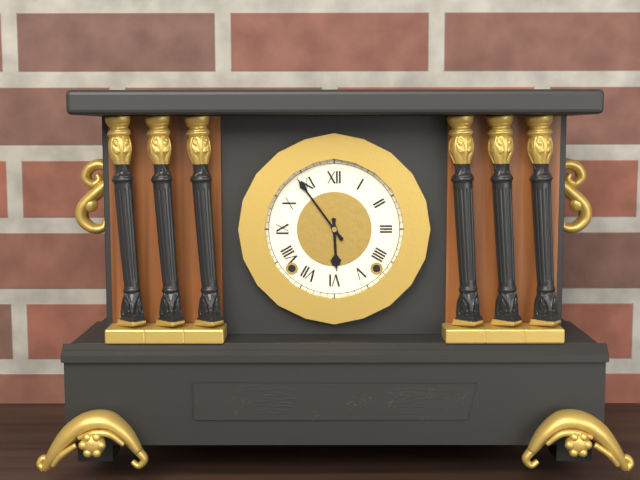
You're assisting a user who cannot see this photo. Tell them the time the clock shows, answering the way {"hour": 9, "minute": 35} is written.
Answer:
{"hour": 5, "minute": 54}
